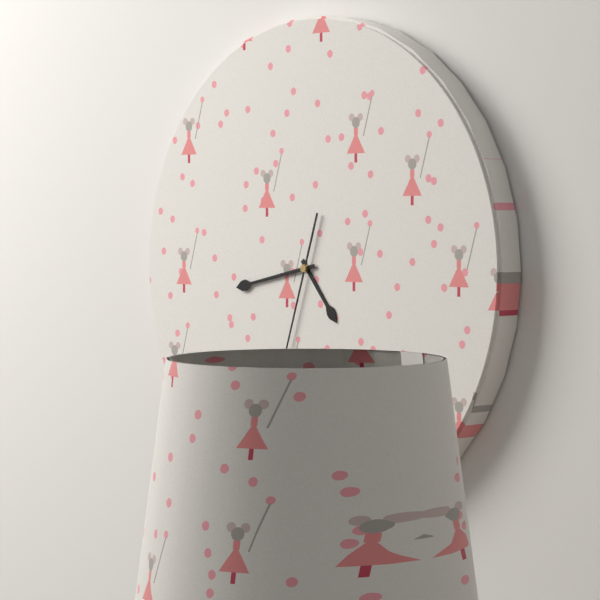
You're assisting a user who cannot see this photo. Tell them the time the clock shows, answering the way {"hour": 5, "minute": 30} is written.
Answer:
{"hour": 4, "minute": 43}
